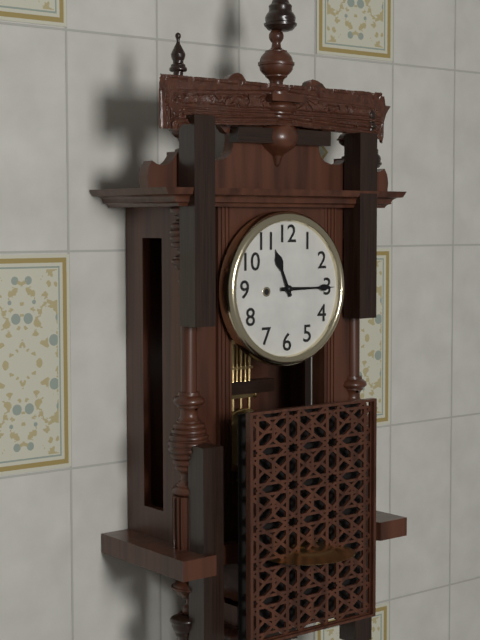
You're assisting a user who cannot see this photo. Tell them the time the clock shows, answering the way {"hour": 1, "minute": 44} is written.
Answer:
{"hour": 11, "minute": 15}
